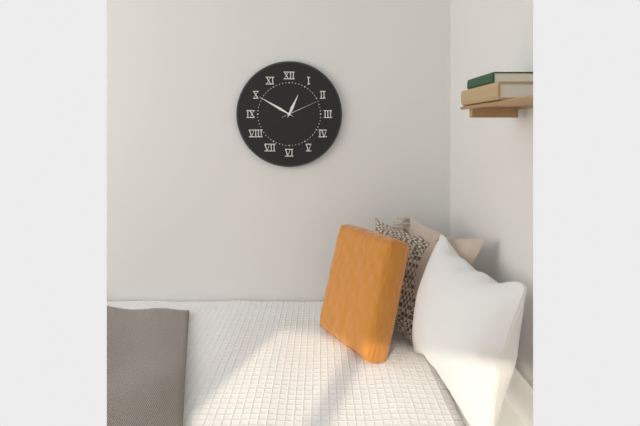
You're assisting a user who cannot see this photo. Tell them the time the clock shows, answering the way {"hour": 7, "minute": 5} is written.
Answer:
{"hour": 12, "minute": 50}
